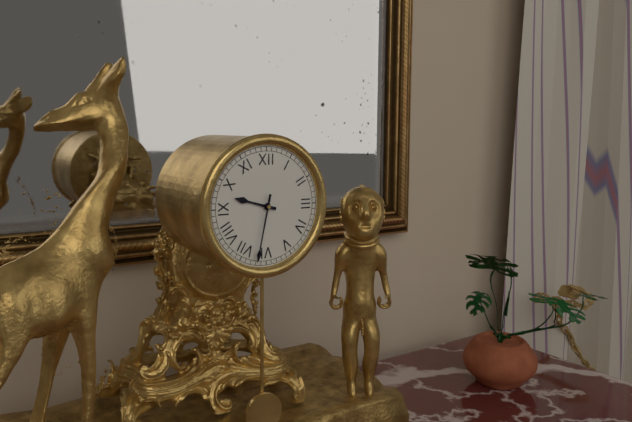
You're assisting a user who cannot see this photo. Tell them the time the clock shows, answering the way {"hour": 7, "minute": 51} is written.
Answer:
{"hour": 9, "minute": 32}
